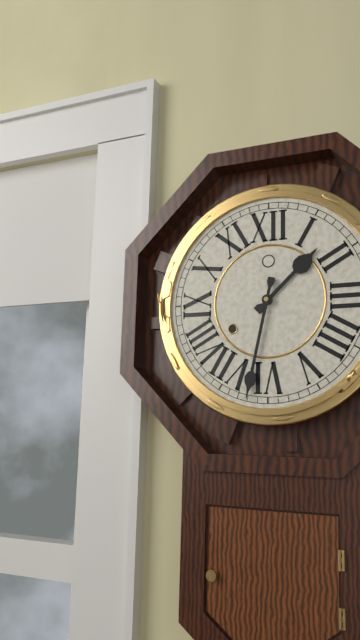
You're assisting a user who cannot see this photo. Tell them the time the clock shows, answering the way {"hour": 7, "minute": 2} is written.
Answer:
{"hour": 1, "minute": 32}
